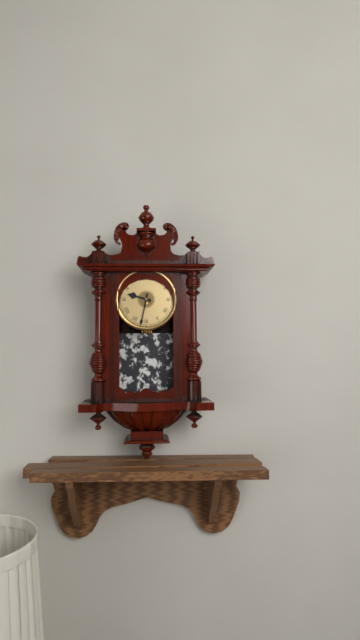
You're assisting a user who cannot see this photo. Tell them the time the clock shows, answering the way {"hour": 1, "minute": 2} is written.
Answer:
{"hour": 9, "minute": 32}
